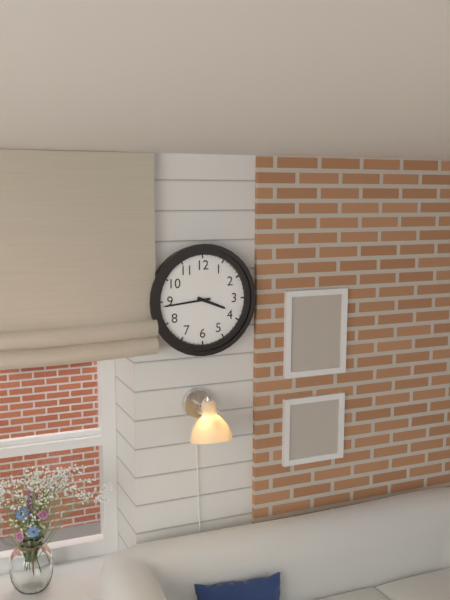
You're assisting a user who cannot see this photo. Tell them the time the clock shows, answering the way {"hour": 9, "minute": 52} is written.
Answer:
{"hour": 3, "minute": 44}
